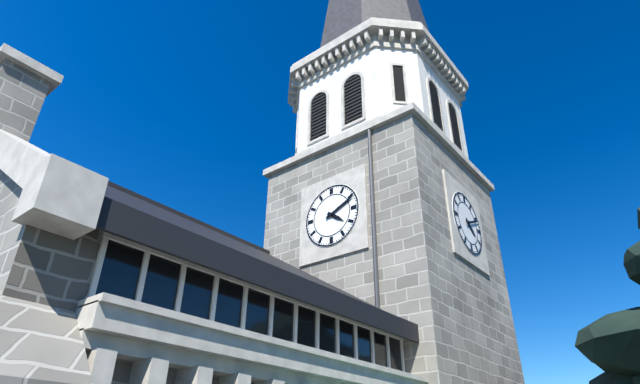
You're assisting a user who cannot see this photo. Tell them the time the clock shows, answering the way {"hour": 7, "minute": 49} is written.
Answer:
{"hour": 4, "minute": 11}
